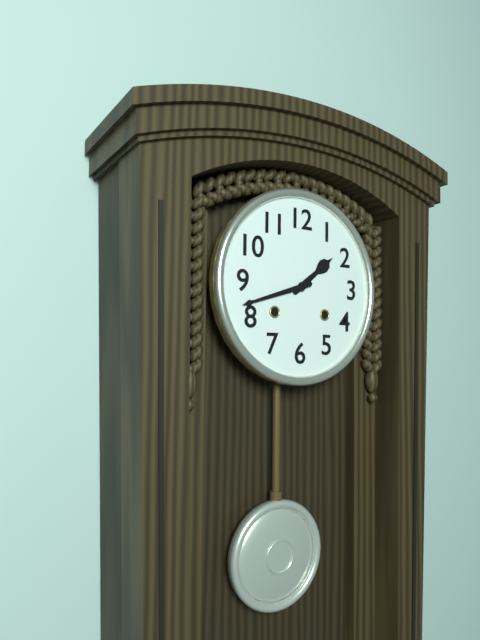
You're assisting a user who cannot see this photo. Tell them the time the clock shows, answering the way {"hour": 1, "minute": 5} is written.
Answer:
{"hour": 1, "minute": 42}
